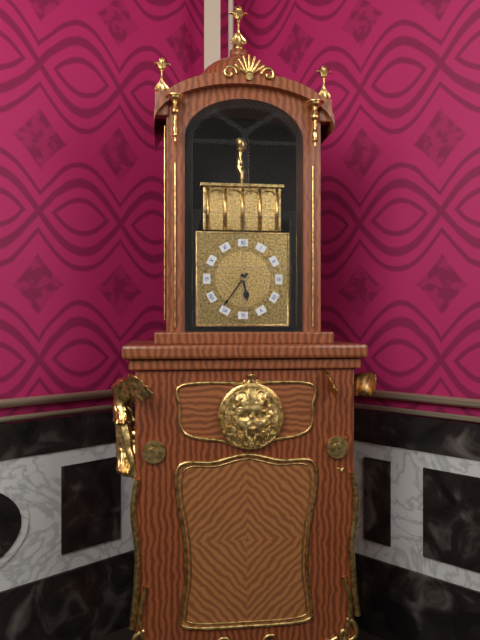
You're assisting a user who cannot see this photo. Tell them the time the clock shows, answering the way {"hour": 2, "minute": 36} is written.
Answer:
{"hour": 5, "minute": 36}
